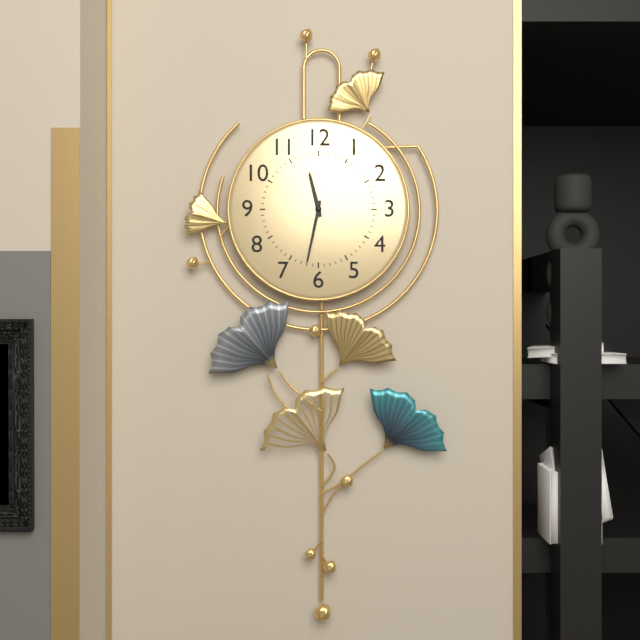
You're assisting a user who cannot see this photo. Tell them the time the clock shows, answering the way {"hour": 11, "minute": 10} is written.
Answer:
{"hour": 11, "minute": 32}
